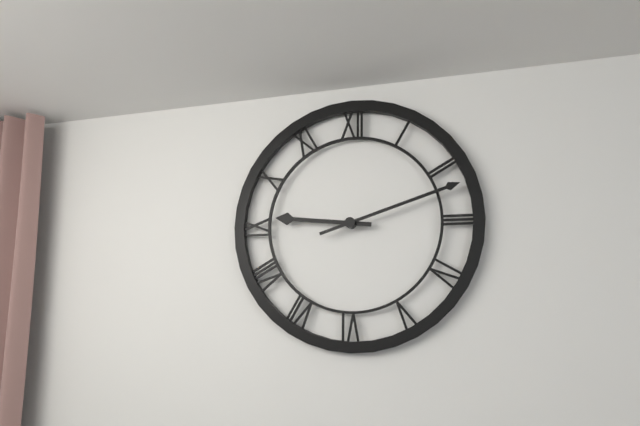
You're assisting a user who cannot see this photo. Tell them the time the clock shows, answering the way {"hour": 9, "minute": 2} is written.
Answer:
{"hour": 9, "minute": 12}
